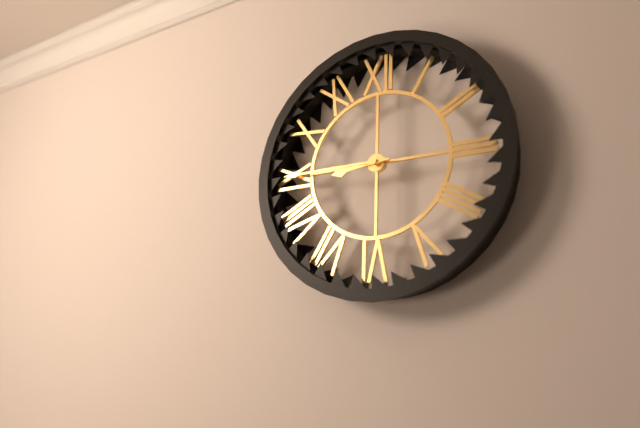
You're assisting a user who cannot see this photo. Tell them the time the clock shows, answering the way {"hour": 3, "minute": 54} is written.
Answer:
{"hour": 8, "minute": 45}
